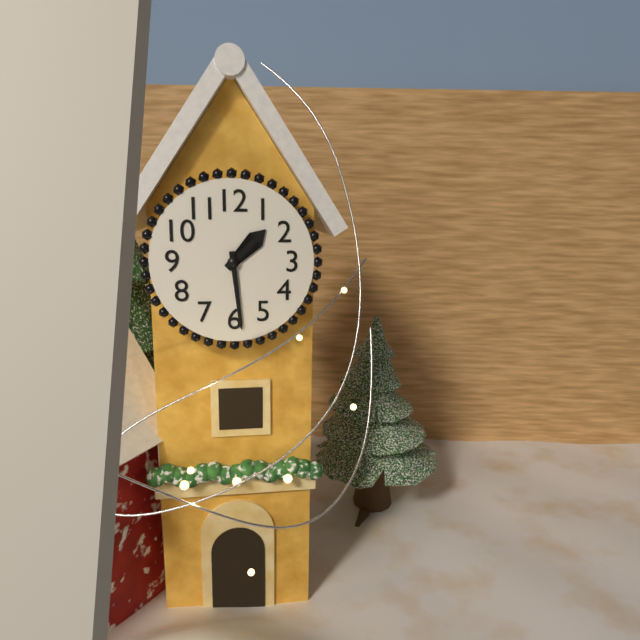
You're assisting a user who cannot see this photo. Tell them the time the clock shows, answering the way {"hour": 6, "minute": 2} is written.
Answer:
{"hour": 1, "minute": 29}
